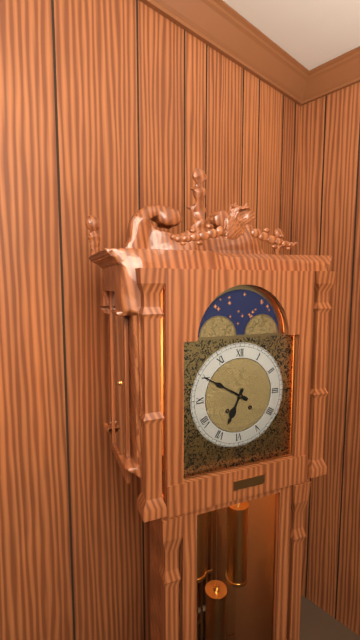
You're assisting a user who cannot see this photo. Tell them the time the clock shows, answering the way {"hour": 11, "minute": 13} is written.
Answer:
{"hour": 6, "minute": 50}
